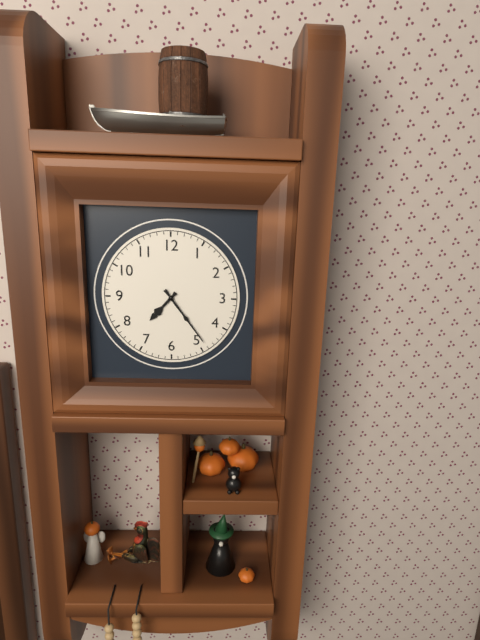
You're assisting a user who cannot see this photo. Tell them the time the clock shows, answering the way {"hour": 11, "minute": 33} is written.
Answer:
{"hour": 7, "minute": 24}
